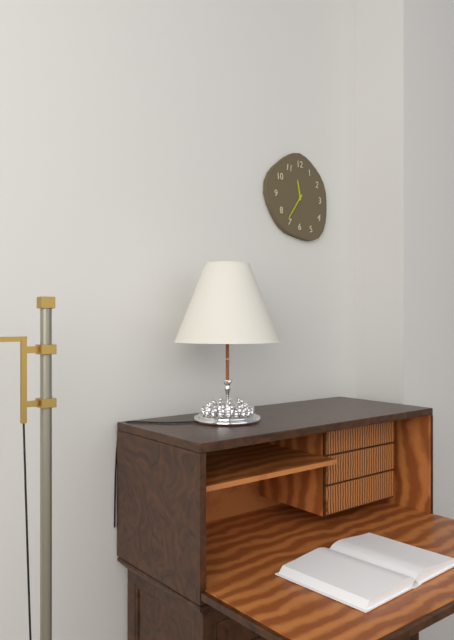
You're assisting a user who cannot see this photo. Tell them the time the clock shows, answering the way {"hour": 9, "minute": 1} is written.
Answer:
{"hour": 11, "minute": 36}
